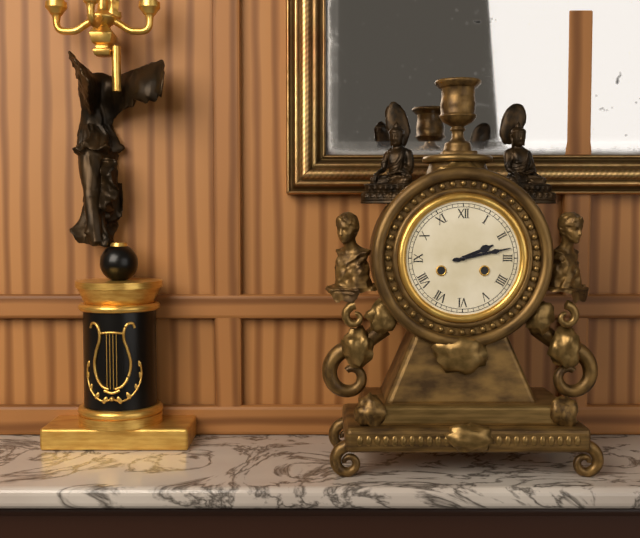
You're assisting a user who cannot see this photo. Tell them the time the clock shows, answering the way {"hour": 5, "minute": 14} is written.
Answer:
{"hour": 2, "minute": 13}
